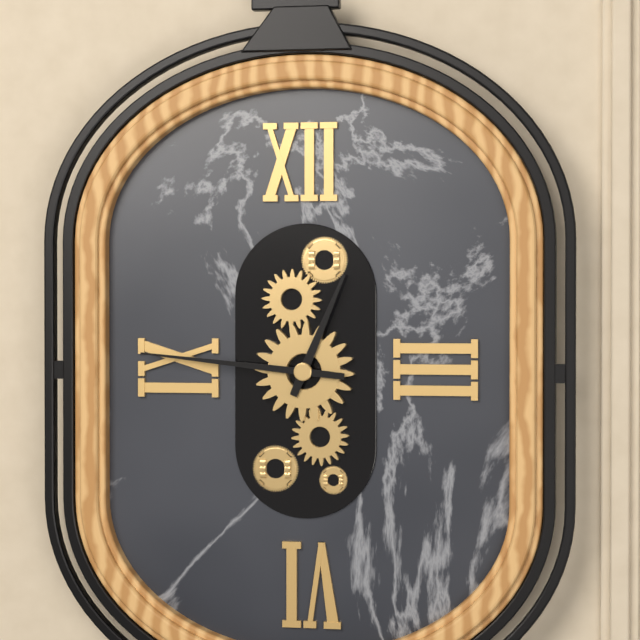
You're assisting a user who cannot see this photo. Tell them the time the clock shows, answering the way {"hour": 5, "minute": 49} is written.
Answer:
{"hour": 12, "minute": 46}
